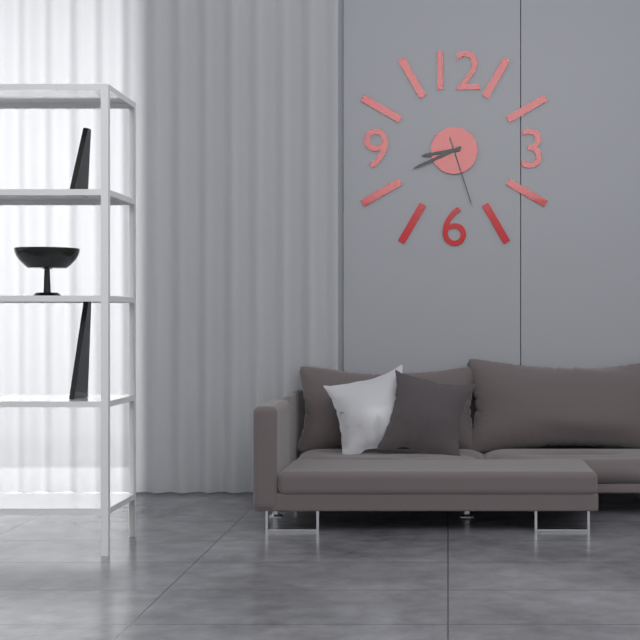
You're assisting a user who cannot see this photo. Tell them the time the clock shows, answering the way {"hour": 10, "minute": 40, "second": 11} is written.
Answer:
{"hour": 8, "minute": 41, "second": 27}
